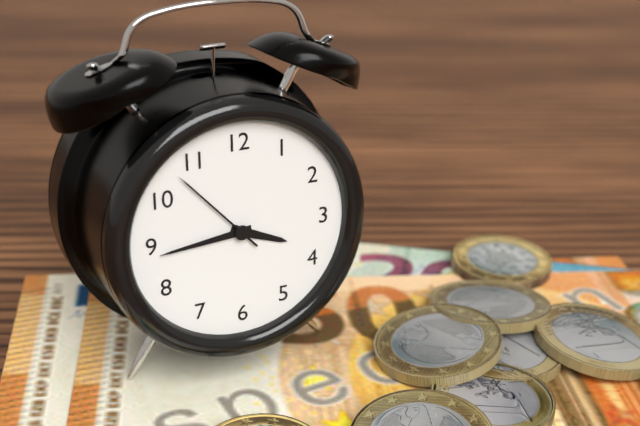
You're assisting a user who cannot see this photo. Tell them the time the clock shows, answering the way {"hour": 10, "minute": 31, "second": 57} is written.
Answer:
{"hour": 3, "minute": 44, "second": 53}
